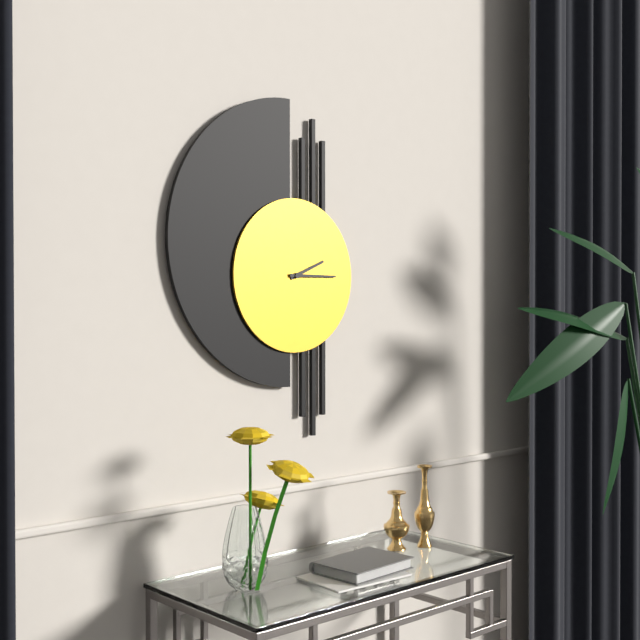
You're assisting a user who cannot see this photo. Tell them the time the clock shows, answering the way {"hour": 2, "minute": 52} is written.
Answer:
{"hour": 2, "minute": 15}
